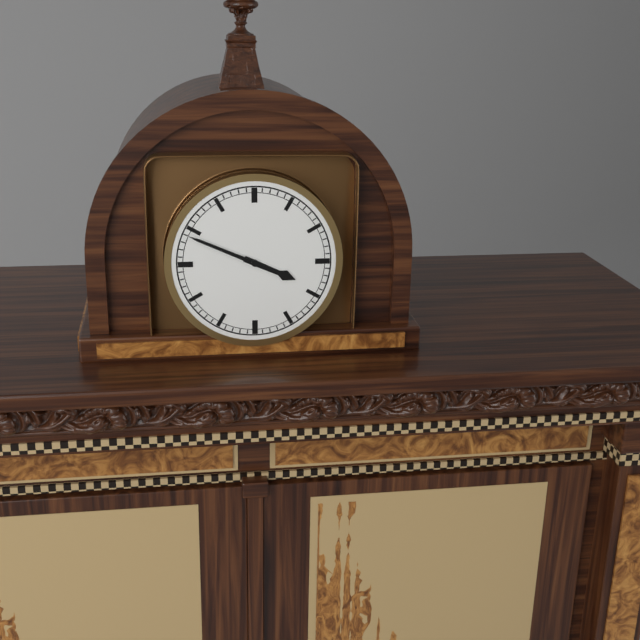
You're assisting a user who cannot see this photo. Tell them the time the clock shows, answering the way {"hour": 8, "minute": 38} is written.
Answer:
{"hour": 3, "minute": 49}
